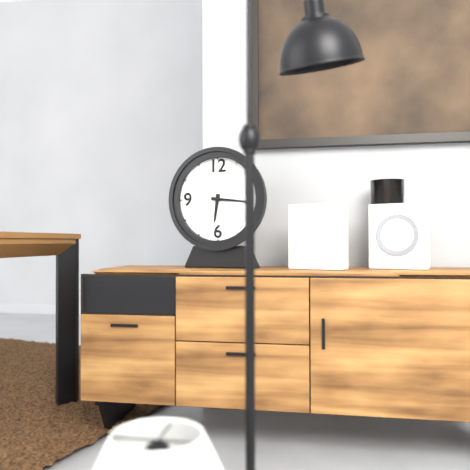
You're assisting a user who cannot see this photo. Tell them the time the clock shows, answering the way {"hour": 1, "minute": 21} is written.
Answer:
{"hour": 6, "minute": 16}
